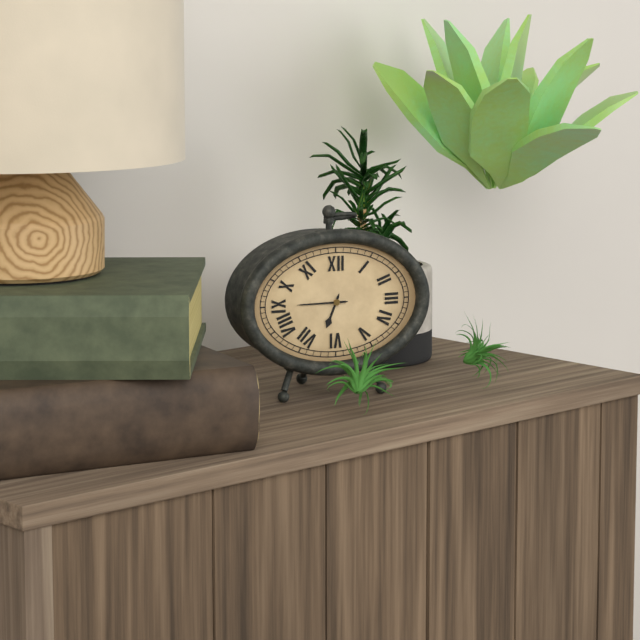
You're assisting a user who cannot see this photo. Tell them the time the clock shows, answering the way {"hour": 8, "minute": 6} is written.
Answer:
{"hour": 6, "minute": 45}
